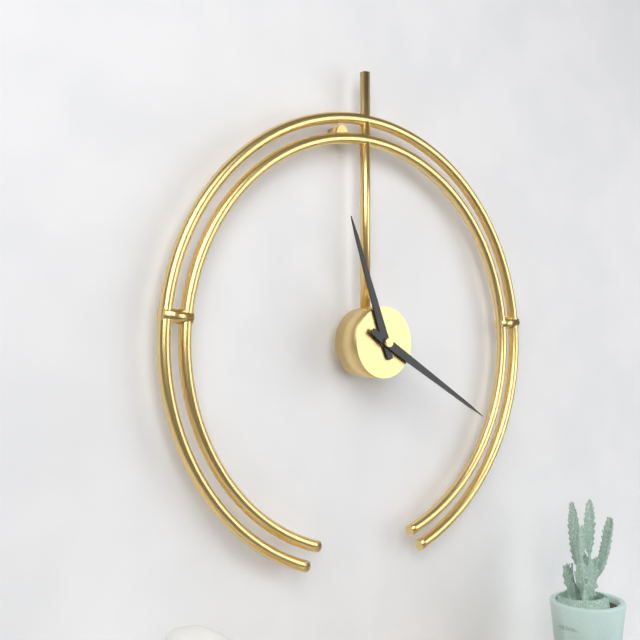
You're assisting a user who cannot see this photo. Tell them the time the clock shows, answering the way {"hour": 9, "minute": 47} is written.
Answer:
{"hour": 11, "minute": 20}
